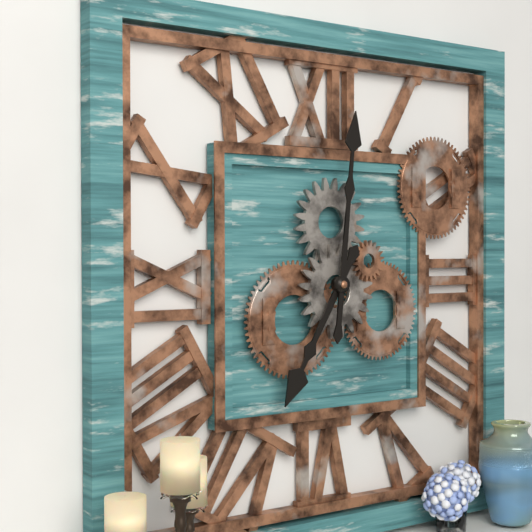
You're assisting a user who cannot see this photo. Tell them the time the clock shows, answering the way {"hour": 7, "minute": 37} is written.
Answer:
{"hour": 7, "minute": 1}
